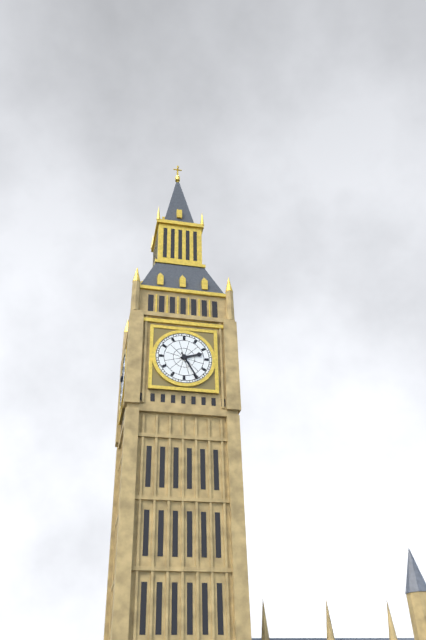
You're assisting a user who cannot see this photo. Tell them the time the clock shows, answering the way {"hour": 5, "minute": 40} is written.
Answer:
{"hour": 2, "minute": 25}
